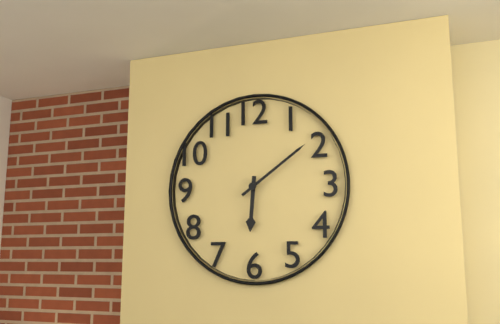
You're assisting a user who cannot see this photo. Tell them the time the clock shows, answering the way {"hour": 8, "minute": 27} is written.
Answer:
{"hour": 6, "minute": 9}
